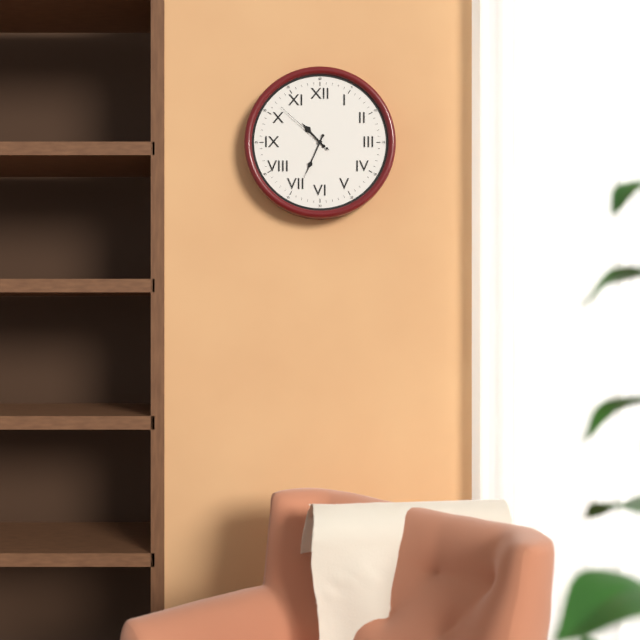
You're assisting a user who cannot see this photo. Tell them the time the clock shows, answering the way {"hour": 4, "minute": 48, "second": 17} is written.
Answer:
{"hour": 10, "minute": 34, "second": 52}
